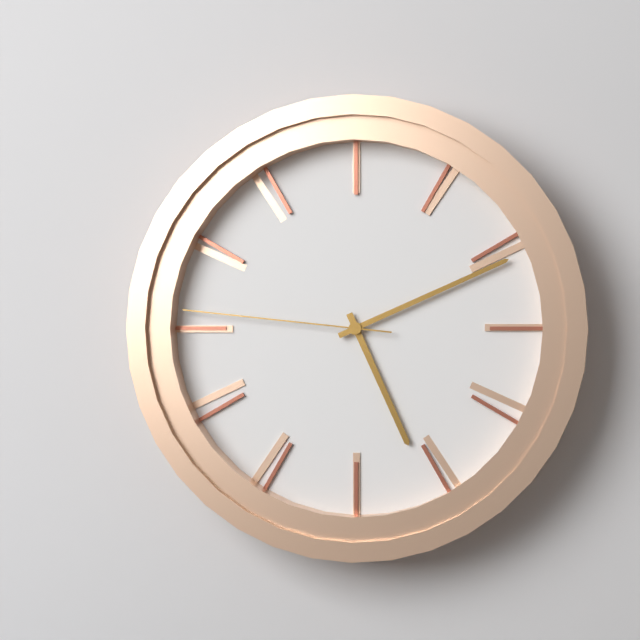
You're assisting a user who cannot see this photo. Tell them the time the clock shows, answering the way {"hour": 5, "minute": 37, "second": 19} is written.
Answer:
{"hour": 5, "minute": 11, "second": 46}
